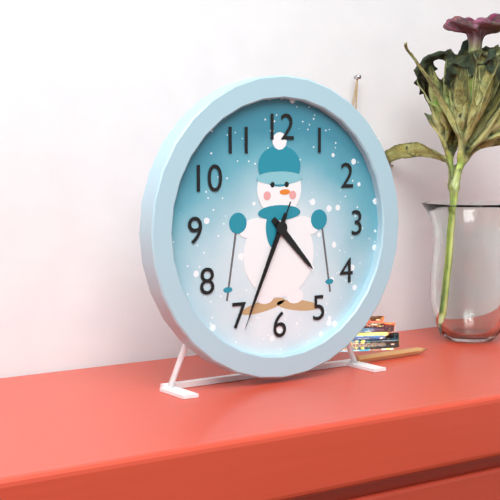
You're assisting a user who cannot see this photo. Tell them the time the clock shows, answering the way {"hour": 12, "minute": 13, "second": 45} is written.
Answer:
{"hour": 4, "minute": 34, "second": 34}
